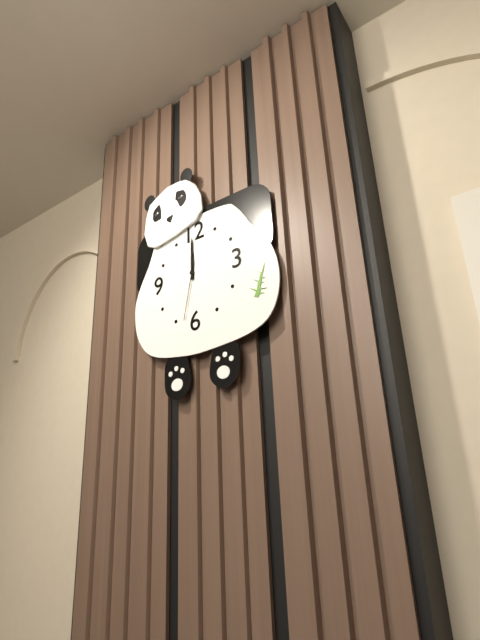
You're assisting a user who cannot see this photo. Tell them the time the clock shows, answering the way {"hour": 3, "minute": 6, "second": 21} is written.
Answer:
{"hour": 12, "minute": 0, "second": 32}
